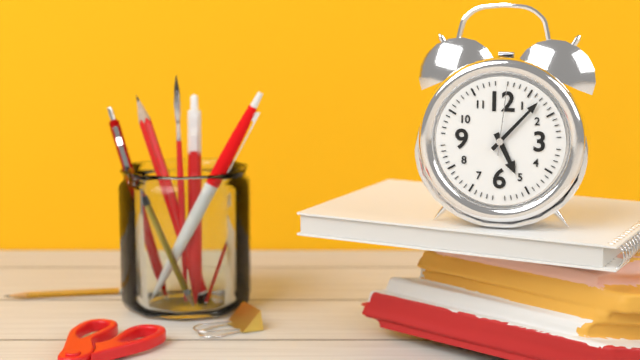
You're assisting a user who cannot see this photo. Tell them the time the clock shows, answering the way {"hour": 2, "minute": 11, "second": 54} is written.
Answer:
{"hour": 5, "minute": 7, "second": 1}
